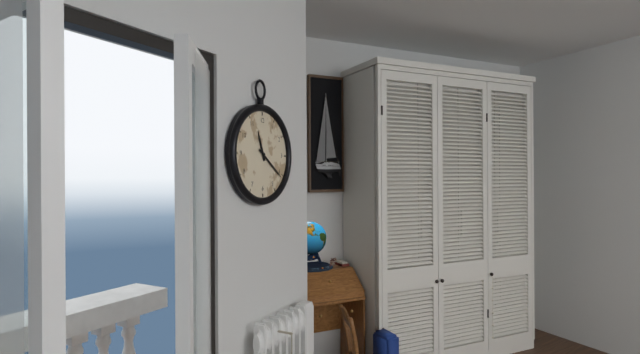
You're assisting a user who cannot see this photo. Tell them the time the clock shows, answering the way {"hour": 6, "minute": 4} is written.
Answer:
{"hour": 11, "minute": 21}
